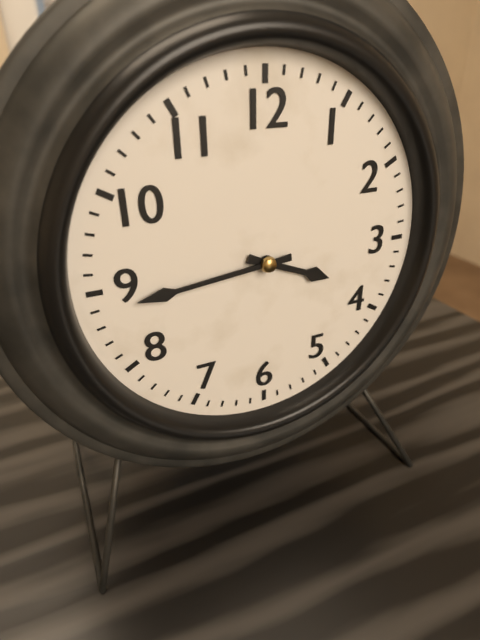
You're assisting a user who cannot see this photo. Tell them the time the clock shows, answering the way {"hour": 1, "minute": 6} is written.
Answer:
{"hour": 3, "minute": 44}
